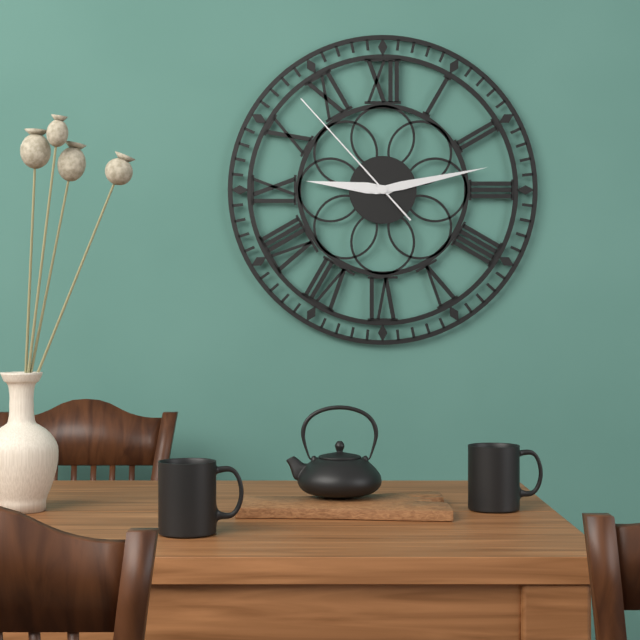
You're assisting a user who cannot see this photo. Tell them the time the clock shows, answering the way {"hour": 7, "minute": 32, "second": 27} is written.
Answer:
{"hour": 9, "minute": 13, "second": 53}
